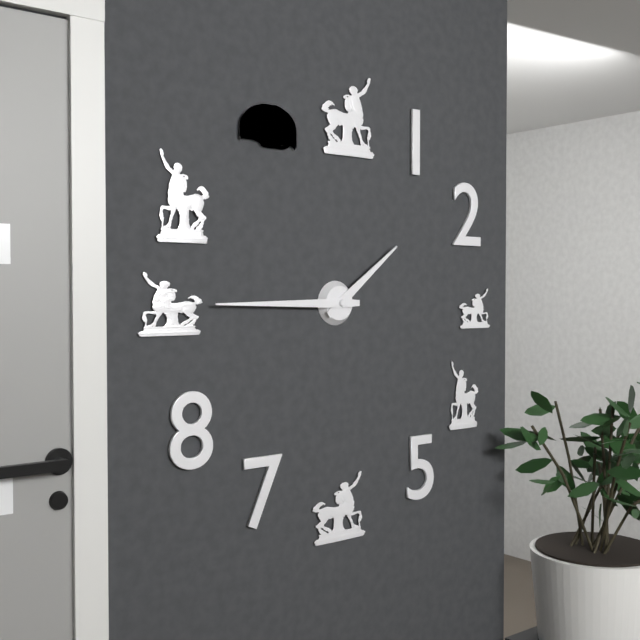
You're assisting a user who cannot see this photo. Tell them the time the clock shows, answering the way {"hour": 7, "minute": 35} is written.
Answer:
{"hour": 1, "minute": 45}
